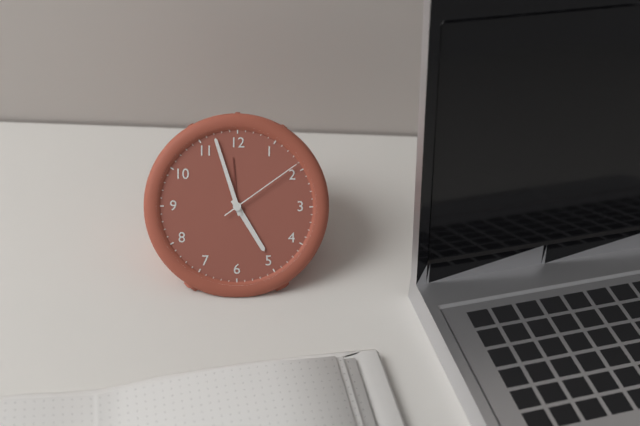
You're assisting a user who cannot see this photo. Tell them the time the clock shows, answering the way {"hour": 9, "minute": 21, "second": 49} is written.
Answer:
{"hour": 4, "minute": 57, "second": 9}
